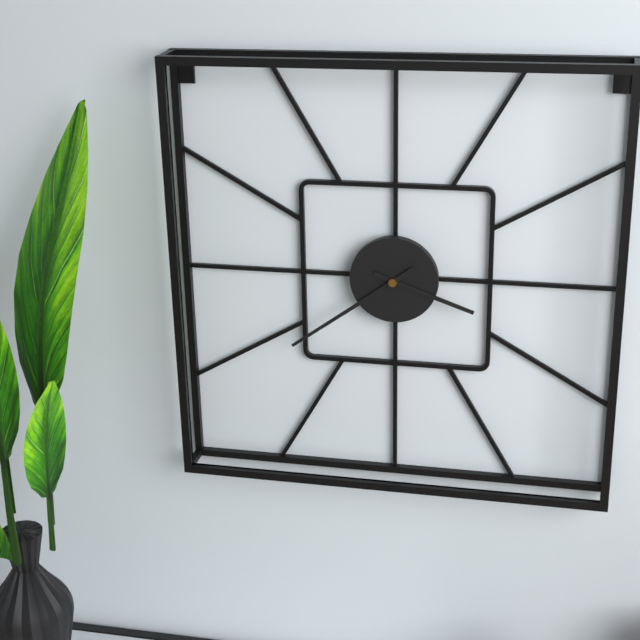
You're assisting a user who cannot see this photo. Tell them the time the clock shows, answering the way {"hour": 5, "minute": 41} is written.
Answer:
{"hour": 3, "minute": 39}
